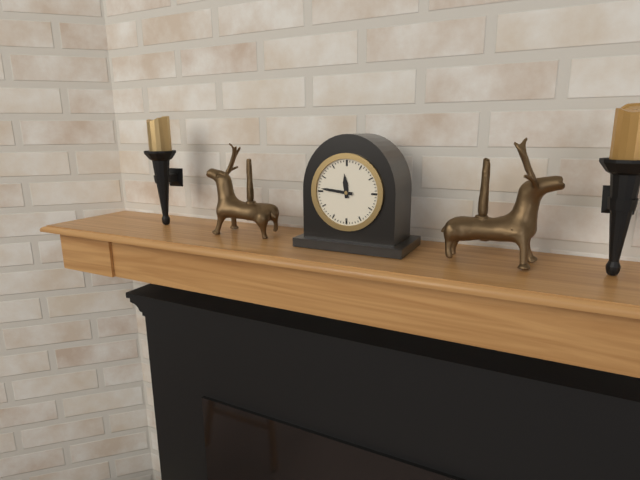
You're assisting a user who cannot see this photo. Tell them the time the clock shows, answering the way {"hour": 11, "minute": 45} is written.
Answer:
{"hour": 11, "minute": 46}
